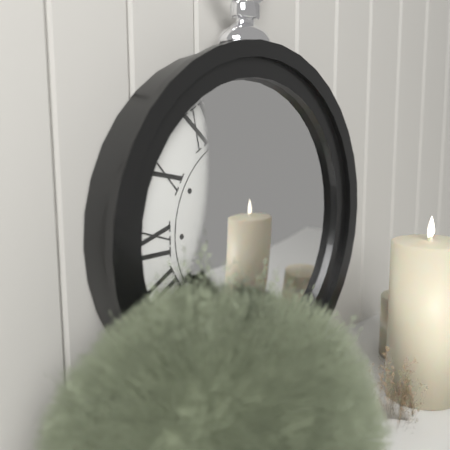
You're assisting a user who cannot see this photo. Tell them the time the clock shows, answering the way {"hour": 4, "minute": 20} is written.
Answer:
{"hour": 12, "minute": 13}
